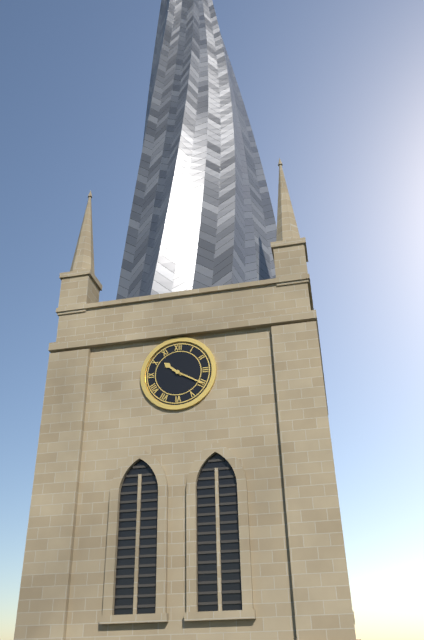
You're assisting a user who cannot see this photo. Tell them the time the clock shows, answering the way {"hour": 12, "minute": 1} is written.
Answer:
{"hour": 10, "minute": 20}
